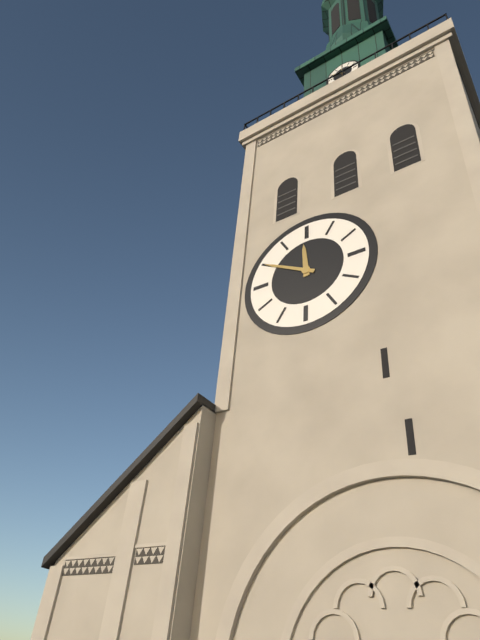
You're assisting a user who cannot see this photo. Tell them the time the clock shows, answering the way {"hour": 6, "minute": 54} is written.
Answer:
{"hour": 11, "minute": 50}
